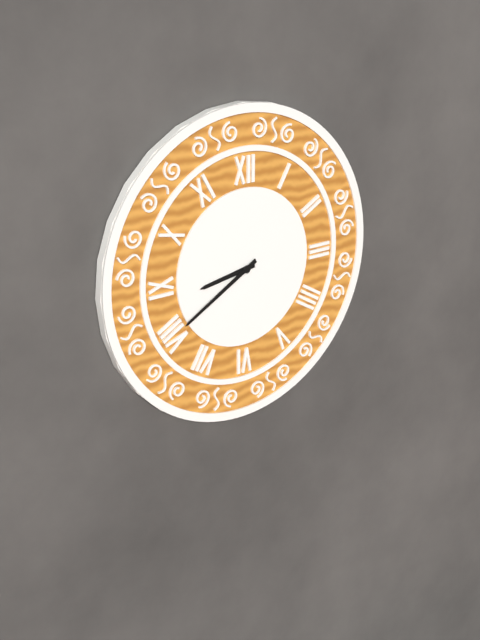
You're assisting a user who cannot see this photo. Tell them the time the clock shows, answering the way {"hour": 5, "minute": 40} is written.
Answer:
{"hour": 8, "minute": 40}
